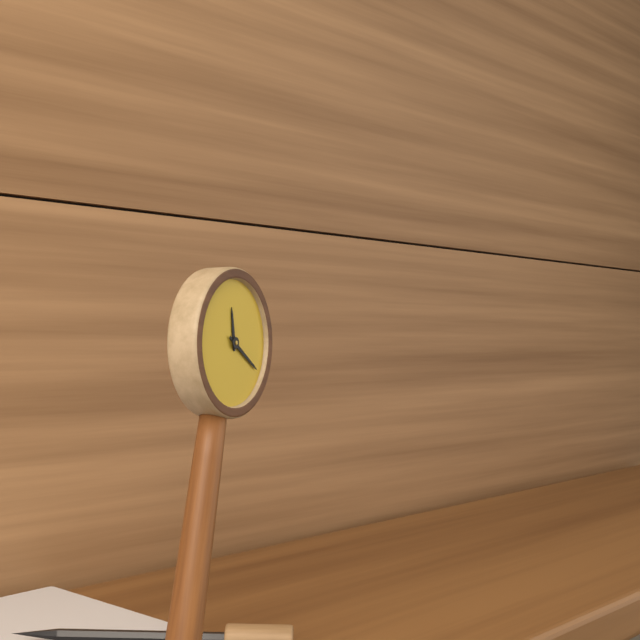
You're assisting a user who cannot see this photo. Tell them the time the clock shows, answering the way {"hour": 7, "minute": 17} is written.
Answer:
{"hour": 11, "minute": 18}
